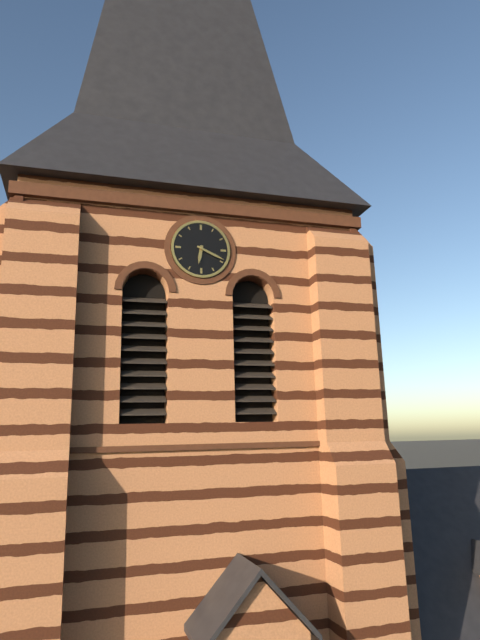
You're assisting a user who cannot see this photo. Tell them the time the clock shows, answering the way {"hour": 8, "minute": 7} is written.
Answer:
{"hour": 6, "minute": 19}
